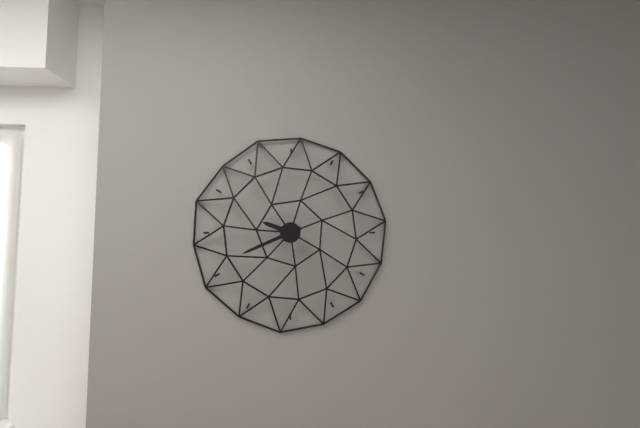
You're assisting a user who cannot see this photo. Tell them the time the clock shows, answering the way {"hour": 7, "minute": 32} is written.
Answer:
{"hour": 9, "minute": 41}
